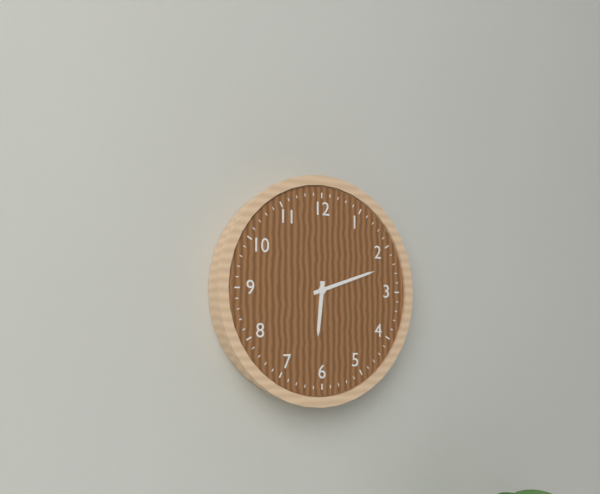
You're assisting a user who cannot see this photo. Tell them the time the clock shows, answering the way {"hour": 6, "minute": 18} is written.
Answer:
{"hour": 6, "minute": 12}
